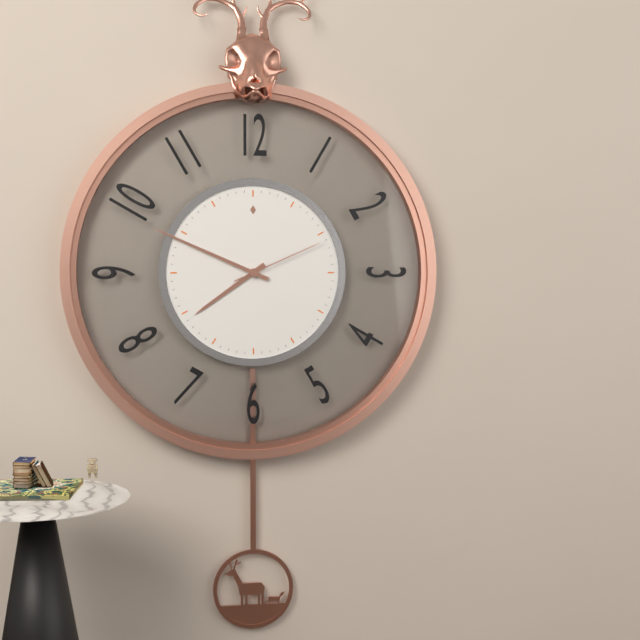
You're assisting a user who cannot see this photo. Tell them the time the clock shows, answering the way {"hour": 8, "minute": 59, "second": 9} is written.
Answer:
{"hour": 7, "minute": 49, "second": 11}
